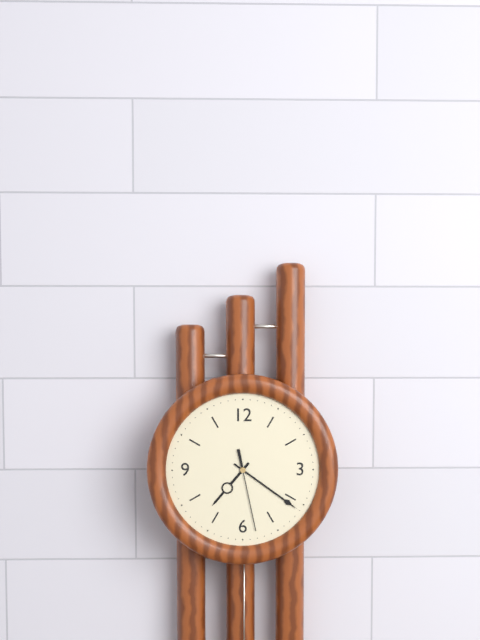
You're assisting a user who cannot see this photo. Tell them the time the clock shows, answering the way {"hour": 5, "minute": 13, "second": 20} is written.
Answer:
{"hour": 7, "minute": 21, "second": 28}
